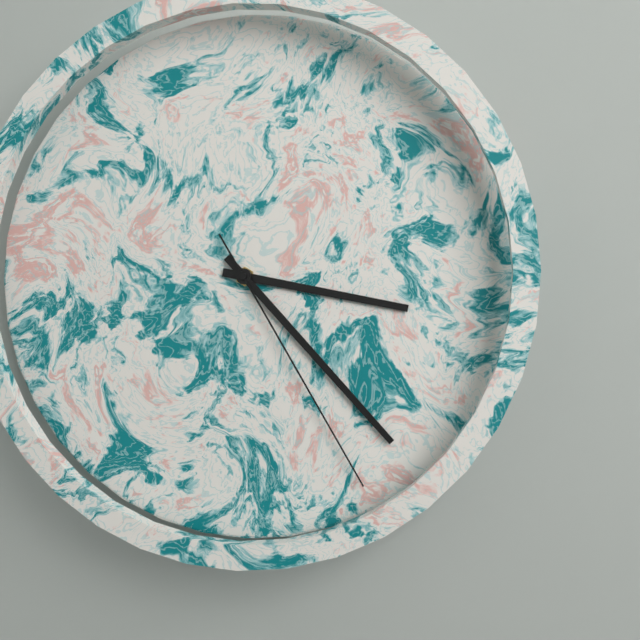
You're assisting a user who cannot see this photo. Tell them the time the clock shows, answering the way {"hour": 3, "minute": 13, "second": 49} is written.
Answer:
{"hour": 3, "minute": 23, "second": 25}
